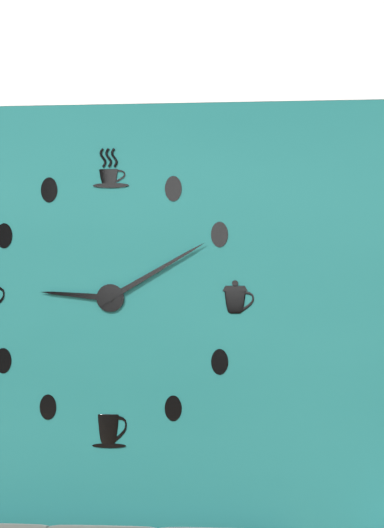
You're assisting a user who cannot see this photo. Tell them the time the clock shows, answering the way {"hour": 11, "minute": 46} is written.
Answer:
{"hour": 9, "minute": 10}
